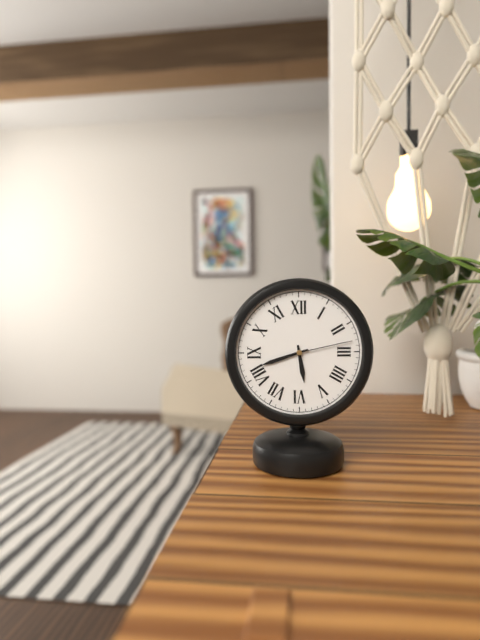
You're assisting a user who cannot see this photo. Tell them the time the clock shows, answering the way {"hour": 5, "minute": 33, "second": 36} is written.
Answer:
{"hour": 5, "minute": 42, "second": 13}
